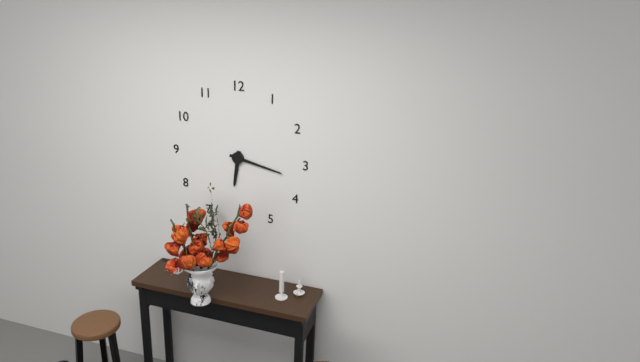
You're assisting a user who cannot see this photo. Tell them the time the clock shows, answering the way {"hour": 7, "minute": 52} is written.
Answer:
{"hour": 6, "minute": 17}
